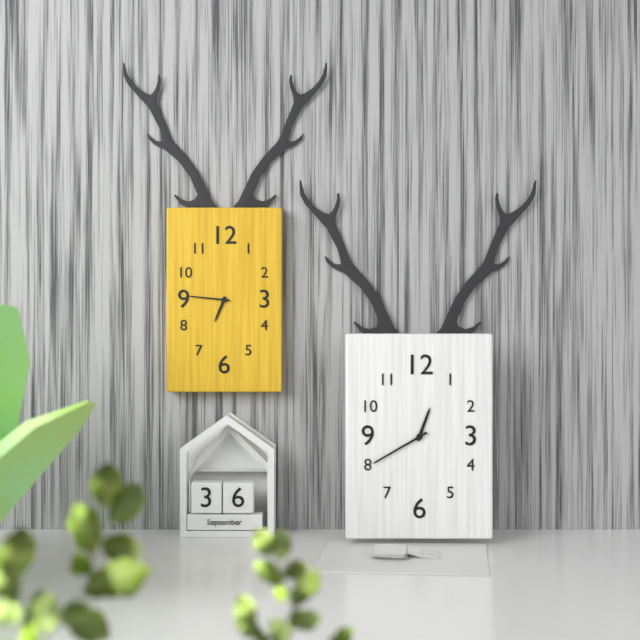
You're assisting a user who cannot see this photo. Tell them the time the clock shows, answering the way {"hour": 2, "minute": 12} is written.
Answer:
{"hour": 6, "minute": 46}
